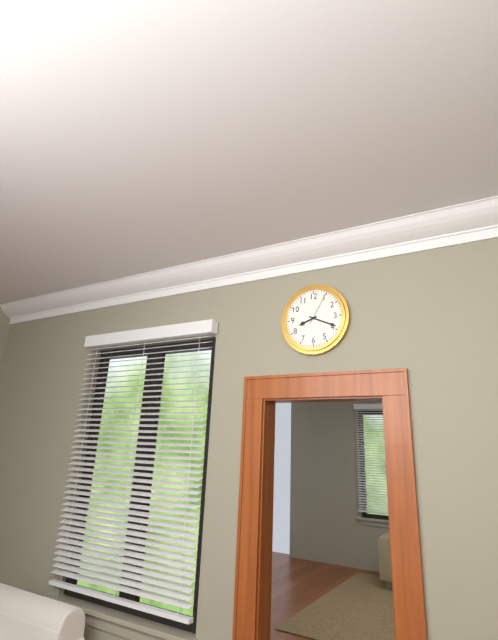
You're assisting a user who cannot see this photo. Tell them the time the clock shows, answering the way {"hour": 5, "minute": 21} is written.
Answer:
{"hour": 8, "minute": 19}
